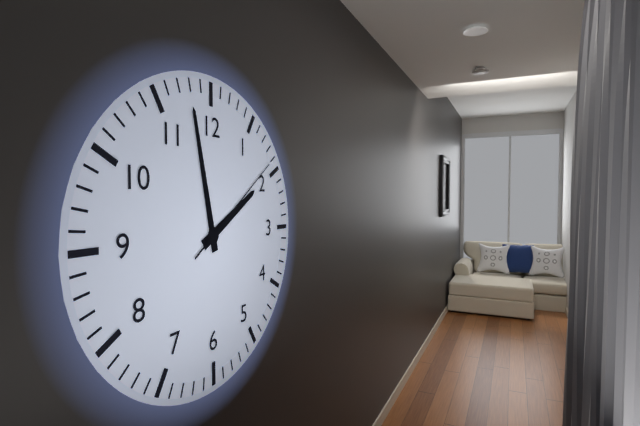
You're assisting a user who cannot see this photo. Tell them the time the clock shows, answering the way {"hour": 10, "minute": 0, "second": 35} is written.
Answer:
{"hour": 1, "minute": 58, "second": 9}
